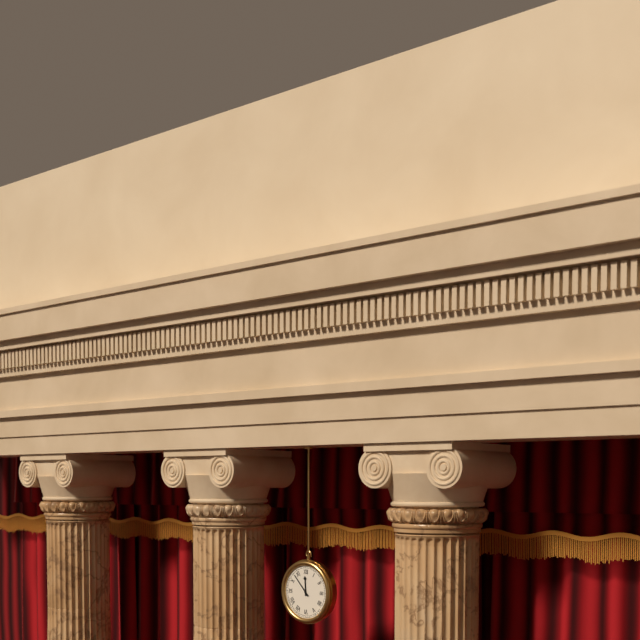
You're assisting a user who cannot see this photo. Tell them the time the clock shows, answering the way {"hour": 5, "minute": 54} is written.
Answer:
{"hour": 11, "minute": 53}
